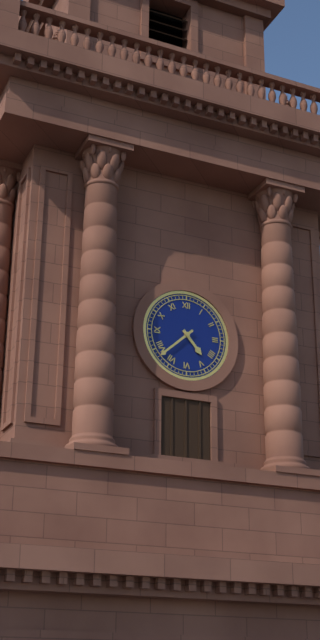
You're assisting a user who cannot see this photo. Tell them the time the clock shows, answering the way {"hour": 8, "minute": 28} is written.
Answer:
{"hour": 4, "minute": 38}
